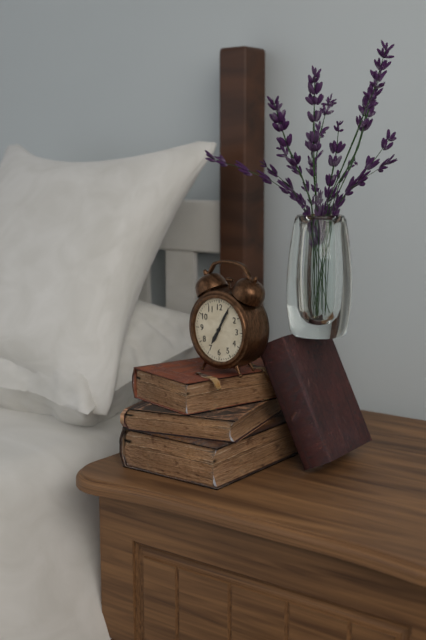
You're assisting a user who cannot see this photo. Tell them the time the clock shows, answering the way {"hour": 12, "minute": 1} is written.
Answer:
{"hour": 7, "minute": 5}
